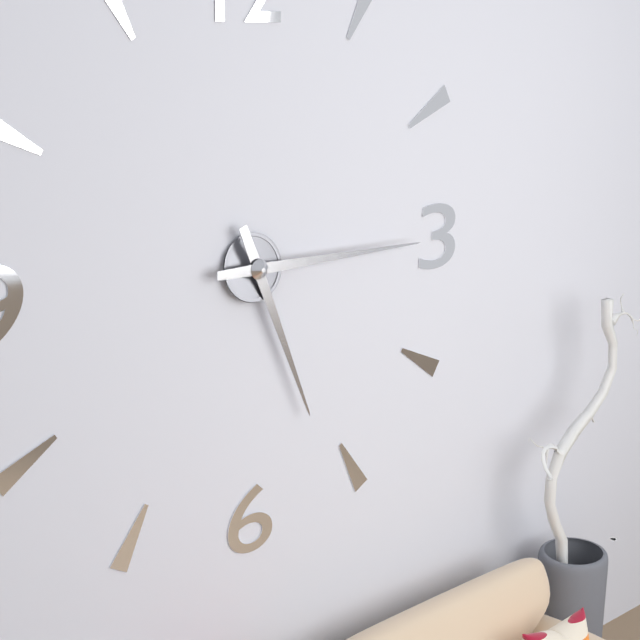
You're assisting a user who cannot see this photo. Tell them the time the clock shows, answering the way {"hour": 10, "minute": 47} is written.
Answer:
{"hour": 5, "minute": 15}
